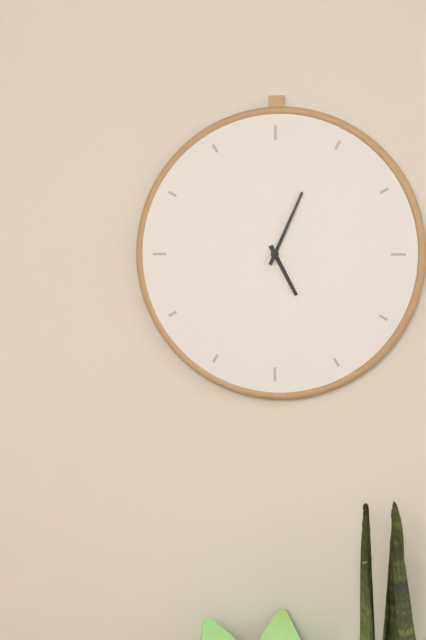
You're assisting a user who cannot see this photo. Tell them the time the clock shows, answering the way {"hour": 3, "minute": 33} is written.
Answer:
{"hour": 5, "minute": 4}
